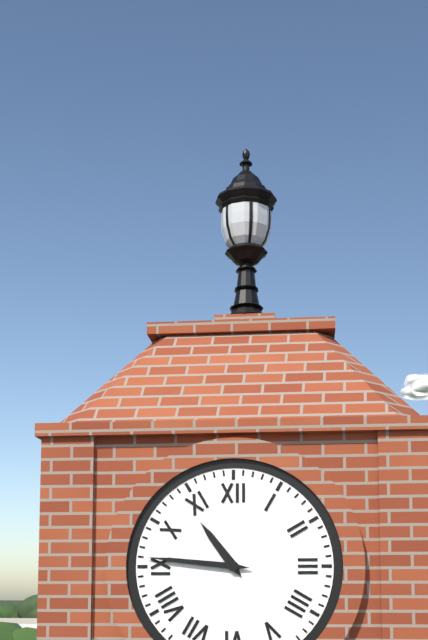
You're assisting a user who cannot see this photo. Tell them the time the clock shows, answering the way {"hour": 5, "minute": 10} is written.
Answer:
{"hour": 10, "minute": 46}
